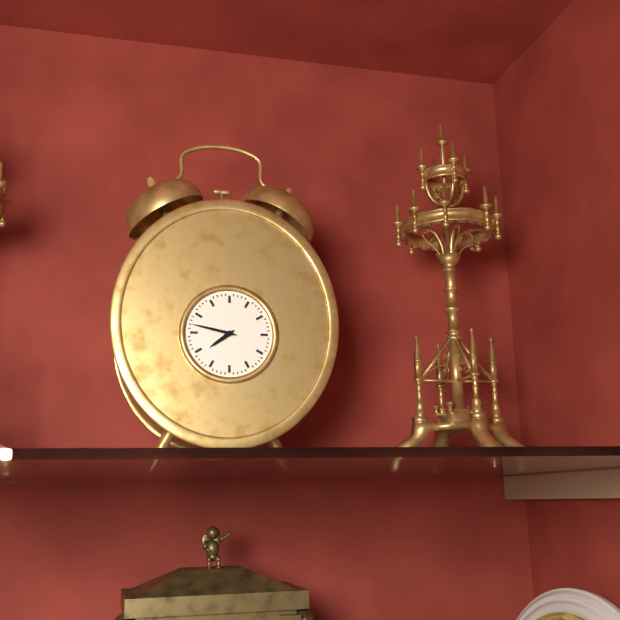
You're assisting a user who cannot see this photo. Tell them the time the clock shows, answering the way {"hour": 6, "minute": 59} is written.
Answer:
{"hour": 7, "minute": 47}
